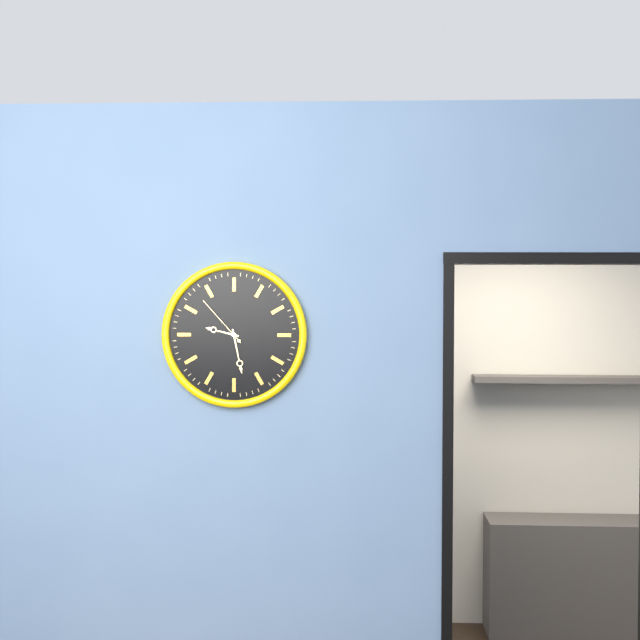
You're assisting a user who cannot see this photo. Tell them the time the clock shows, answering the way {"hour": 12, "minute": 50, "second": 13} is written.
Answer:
{"hour": 9, "minute": 28, "second": 53}
